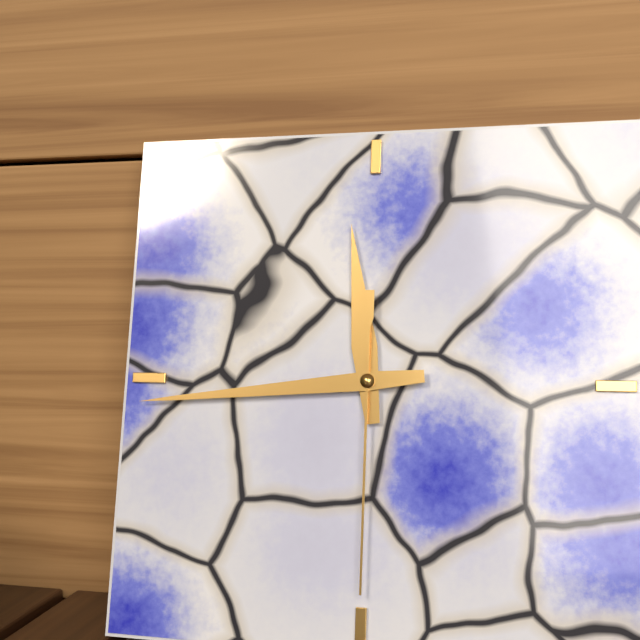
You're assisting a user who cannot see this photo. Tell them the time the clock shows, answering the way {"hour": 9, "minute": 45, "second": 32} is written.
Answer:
{"hour": 11, "minute": 44, "second": 30}
